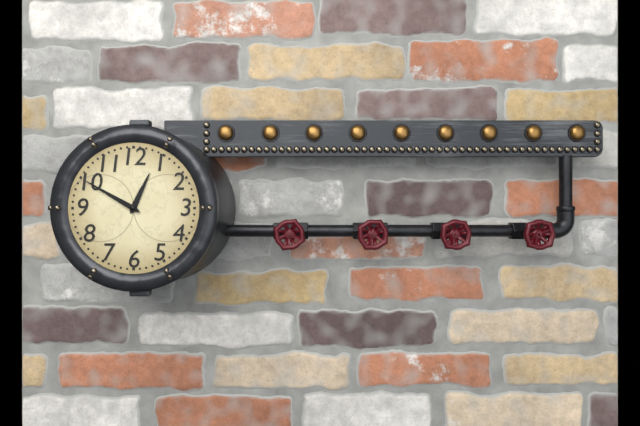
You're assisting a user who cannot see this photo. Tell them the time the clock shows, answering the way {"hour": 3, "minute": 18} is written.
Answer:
{"hour": 12, "minute": 50}
